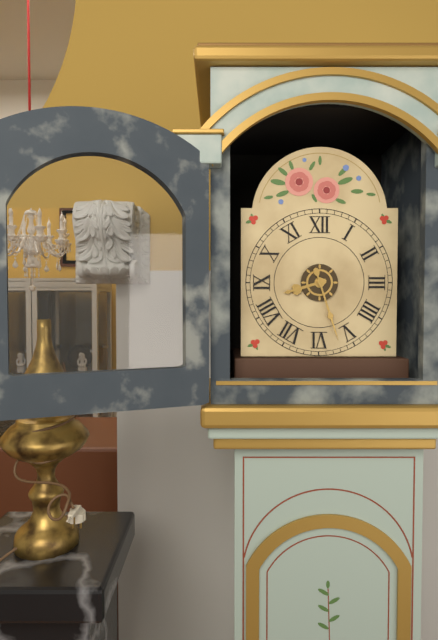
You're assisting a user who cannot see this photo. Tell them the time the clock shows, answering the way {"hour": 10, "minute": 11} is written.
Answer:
{"hour": 8, "minute": 27}
